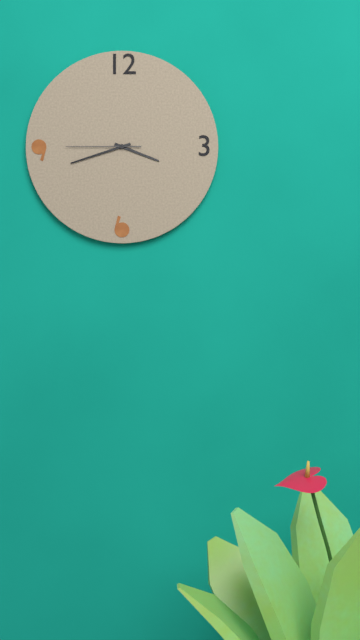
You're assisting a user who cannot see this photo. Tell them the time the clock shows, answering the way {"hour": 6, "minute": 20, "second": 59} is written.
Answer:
{"hour": 3, "minute": 42, "second": 45}
